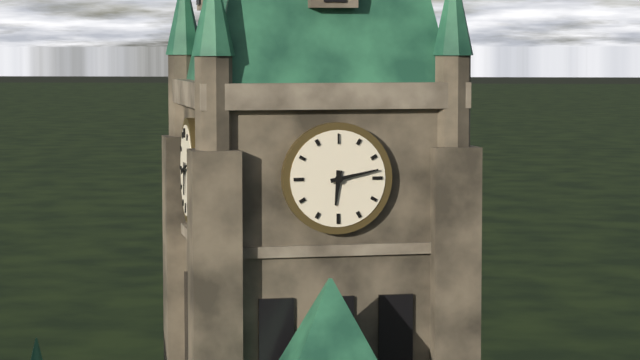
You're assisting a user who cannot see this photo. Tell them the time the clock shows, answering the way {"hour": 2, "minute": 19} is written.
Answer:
{"hour": 6, "minute": 13}
